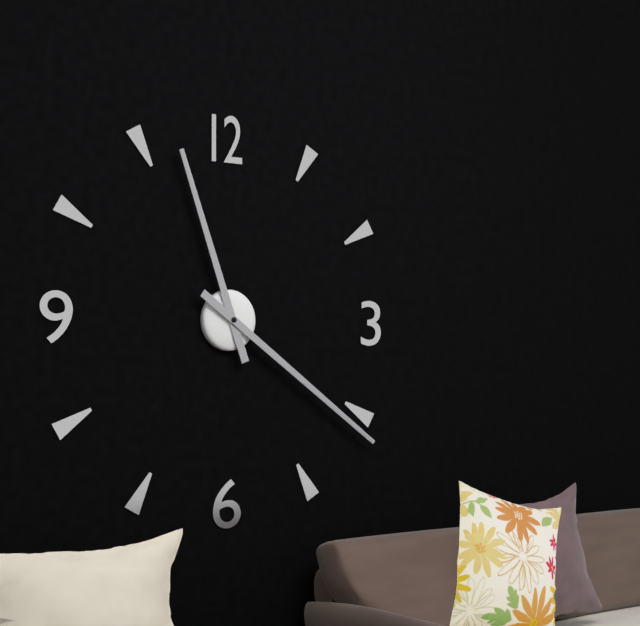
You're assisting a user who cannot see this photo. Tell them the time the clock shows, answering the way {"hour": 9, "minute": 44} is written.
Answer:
{"hour": 11, "minute": 21}
